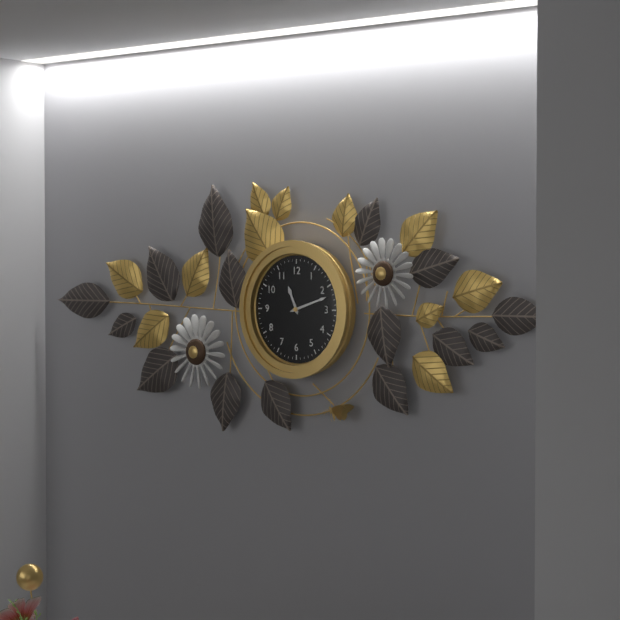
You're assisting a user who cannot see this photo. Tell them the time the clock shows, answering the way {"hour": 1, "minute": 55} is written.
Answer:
{"hour": 11, "minute": 12}
